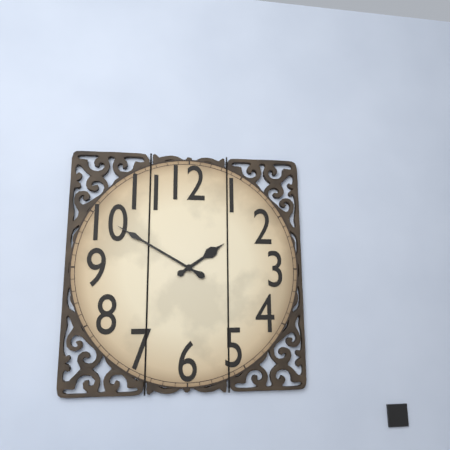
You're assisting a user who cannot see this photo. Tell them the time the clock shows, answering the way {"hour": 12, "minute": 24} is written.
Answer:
{"hour": 1, "minute": 50}
